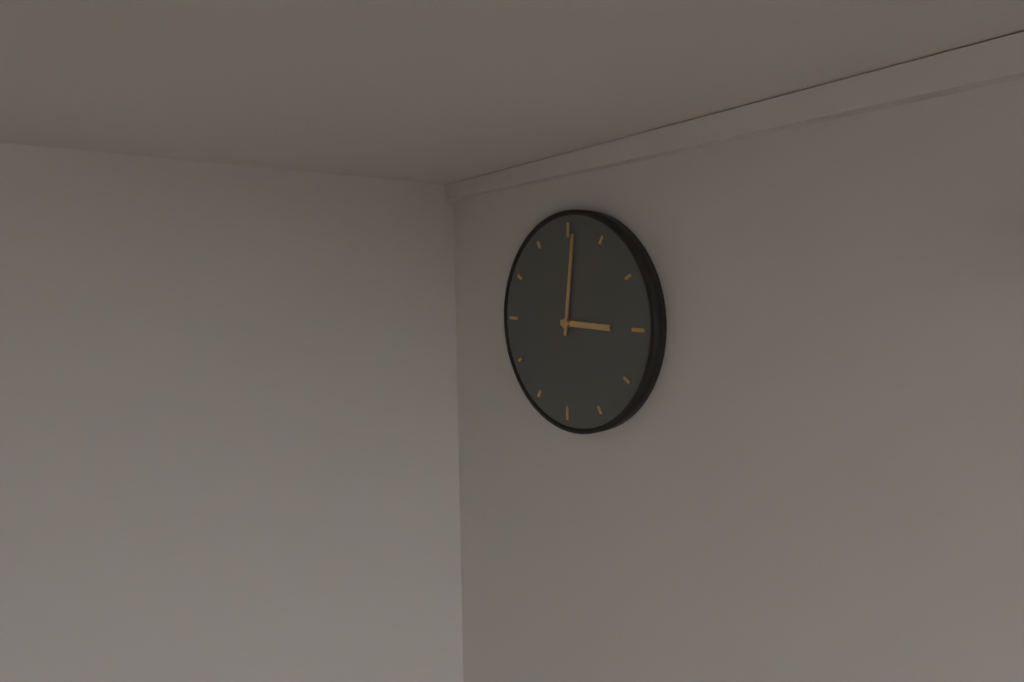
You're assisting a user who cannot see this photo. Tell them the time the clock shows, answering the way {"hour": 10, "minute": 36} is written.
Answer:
{"hour": 3, "minute": 1}
